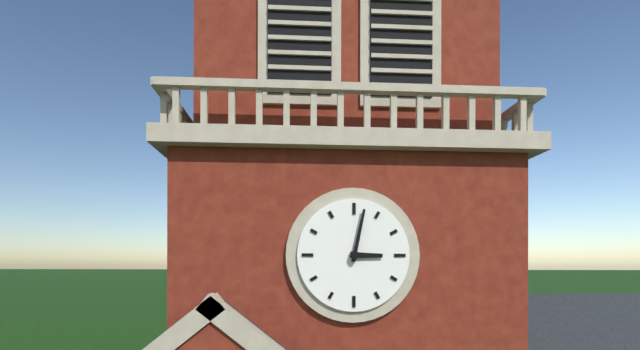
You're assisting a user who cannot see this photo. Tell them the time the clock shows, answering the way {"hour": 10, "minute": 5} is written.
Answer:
{"hour": 3, "minute": 2}
